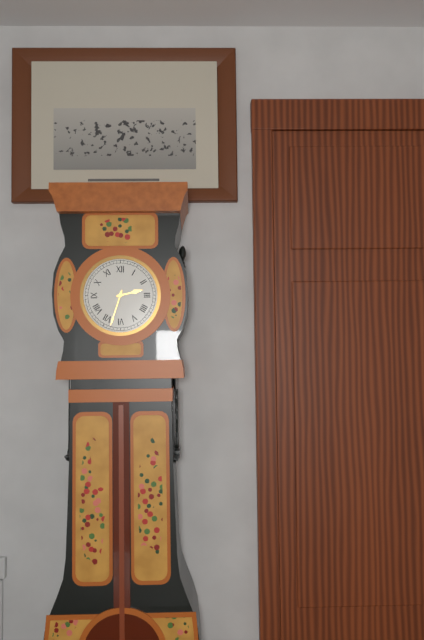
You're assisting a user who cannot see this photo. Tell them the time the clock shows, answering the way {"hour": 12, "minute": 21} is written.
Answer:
{"hour": 2, "minute": 33}
